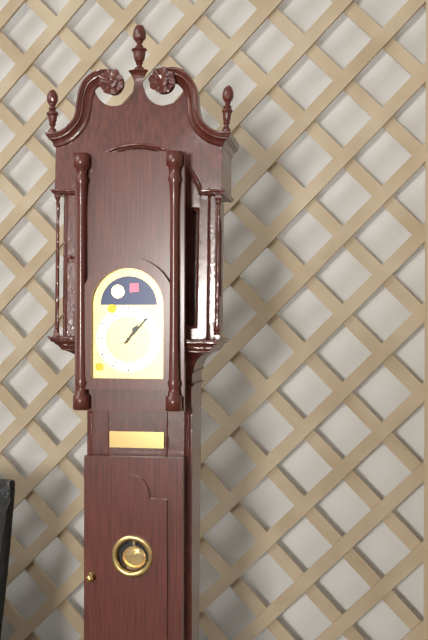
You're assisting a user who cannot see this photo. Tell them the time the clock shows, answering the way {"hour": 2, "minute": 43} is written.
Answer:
{"hour": 1, "minute": 7}
